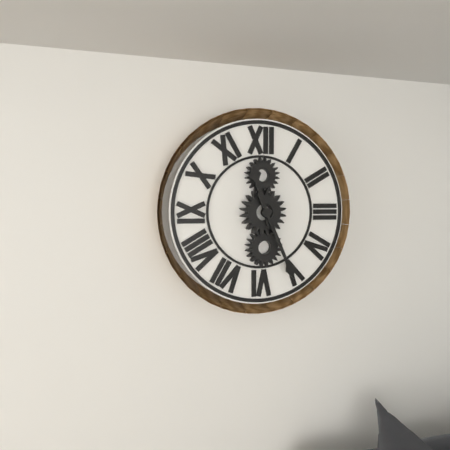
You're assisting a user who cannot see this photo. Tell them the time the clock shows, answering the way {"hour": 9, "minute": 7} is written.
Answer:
{"hour": 11, "minute": 26}
